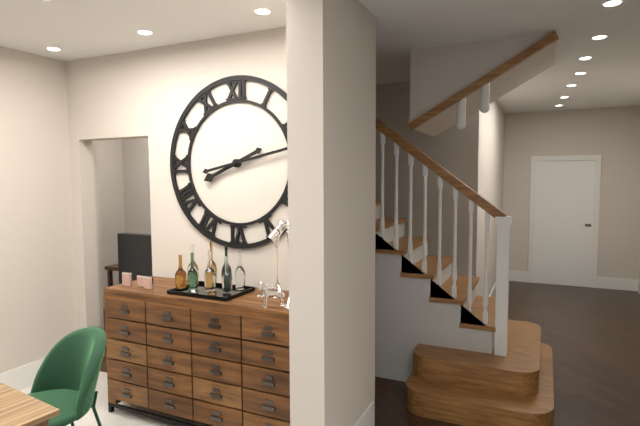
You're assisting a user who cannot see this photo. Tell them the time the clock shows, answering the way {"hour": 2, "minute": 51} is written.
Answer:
{"hour": 8, "minute": 13}
